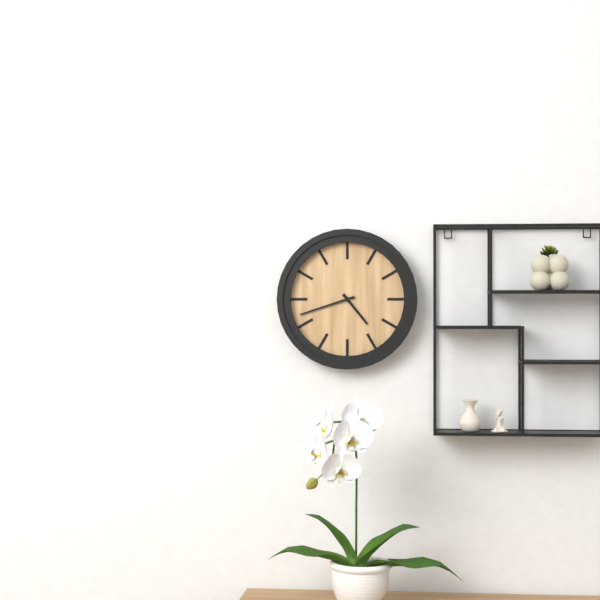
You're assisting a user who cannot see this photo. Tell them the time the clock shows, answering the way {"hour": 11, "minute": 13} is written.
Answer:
{"hour": 4, "minute": 42}
